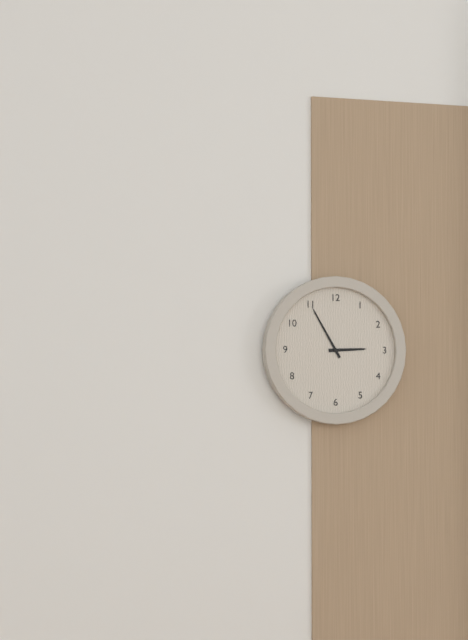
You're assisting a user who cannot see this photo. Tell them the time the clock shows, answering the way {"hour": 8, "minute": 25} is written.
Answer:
{"hour": 2, "minute": 55}
